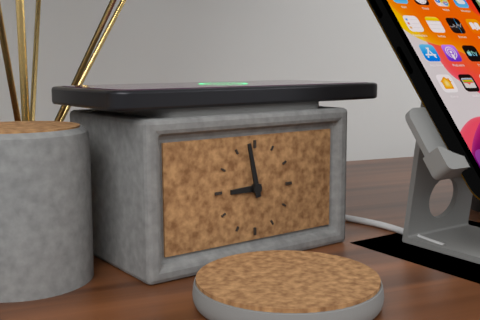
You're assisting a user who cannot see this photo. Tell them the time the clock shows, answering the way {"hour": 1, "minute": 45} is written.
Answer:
{"hour": 8, "minute": 58}
